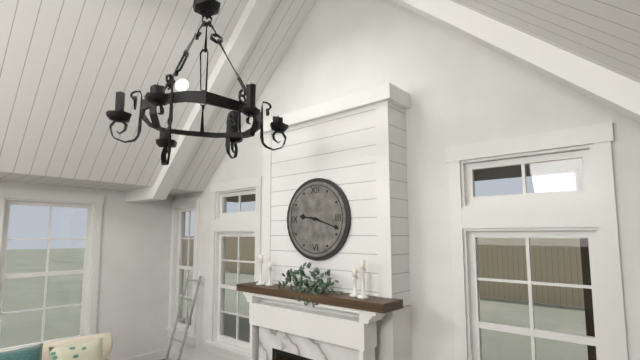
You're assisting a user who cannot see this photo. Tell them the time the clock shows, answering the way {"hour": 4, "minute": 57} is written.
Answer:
{"hour": 9, "minute": 18}
